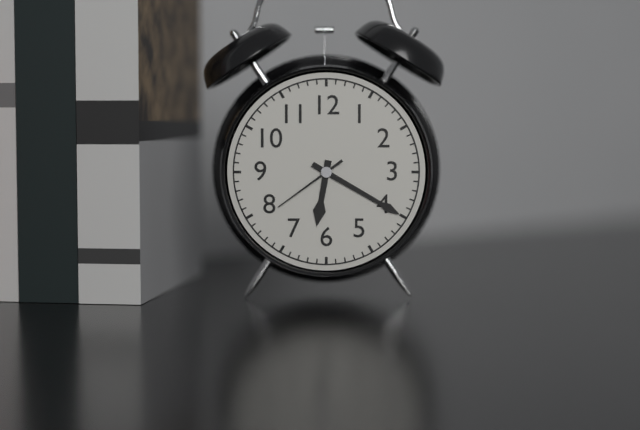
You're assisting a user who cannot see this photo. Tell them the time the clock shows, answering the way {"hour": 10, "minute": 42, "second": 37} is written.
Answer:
{"hour": 6, "minute": 20, "second": 39}
